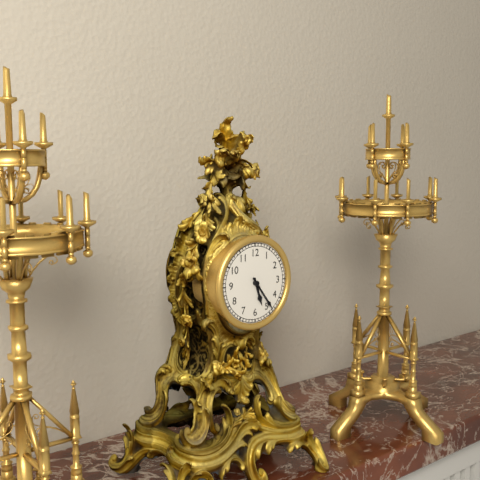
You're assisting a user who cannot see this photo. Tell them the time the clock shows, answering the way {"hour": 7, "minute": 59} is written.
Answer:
{"hour": 5, "minute": 24}
